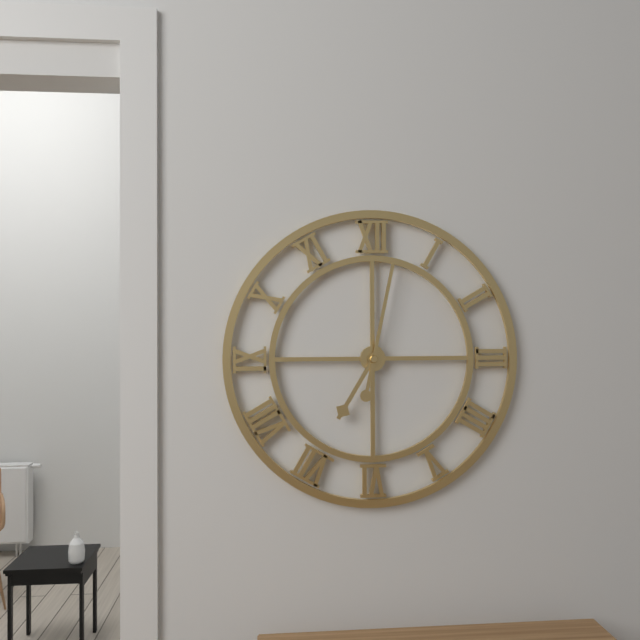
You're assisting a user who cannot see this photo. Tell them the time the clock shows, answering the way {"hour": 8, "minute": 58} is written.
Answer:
{"hour": 7, "minute": 2}
